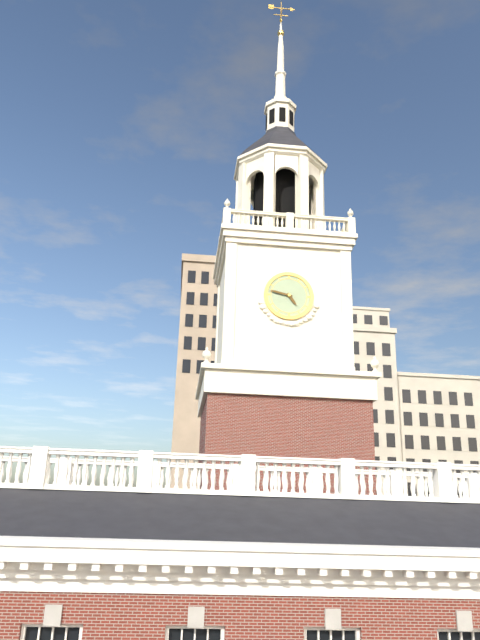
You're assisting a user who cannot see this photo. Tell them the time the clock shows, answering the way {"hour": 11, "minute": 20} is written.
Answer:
{"hour": 4, "minute": 47}
